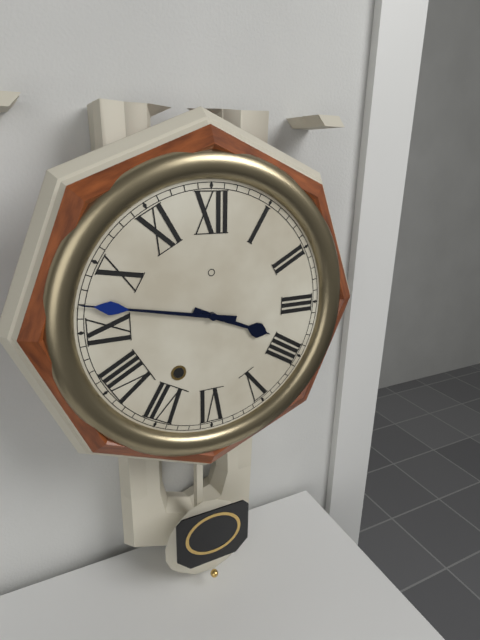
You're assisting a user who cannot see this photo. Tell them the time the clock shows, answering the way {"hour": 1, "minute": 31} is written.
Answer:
{"hour": 3, "minute": 47}
